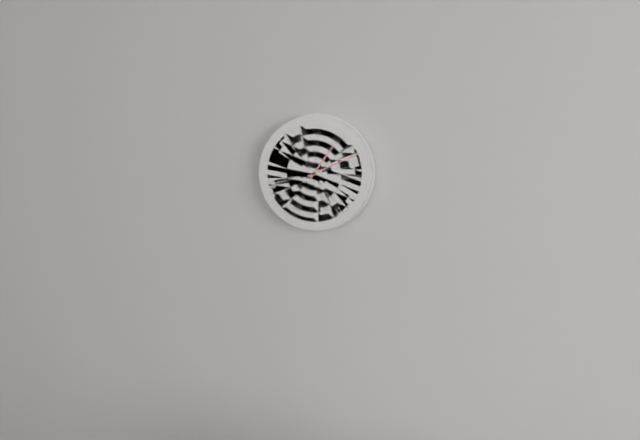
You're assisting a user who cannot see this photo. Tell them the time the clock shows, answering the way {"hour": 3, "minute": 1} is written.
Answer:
{"hour": 1, "minute": 11}
